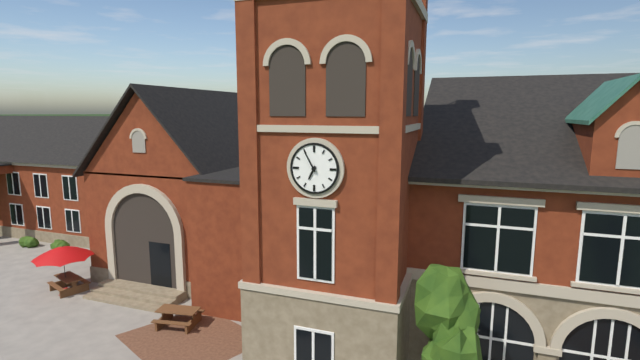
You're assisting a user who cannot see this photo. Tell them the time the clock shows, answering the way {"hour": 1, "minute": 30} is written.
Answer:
{"hour": 6, "minute": 55}
